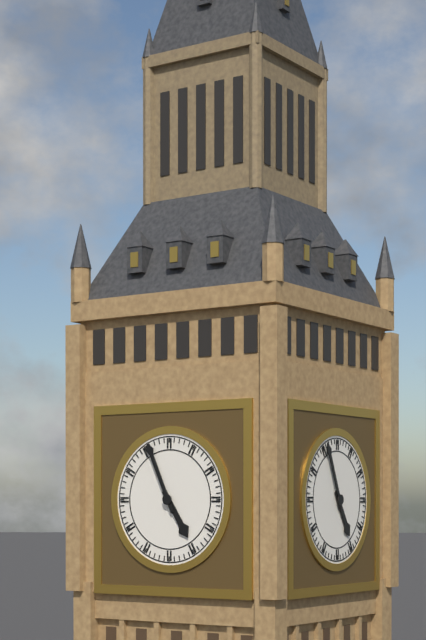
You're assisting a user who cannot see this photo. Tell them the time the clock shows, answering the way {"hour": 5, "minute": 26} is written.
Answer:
{"hour": 4, "minute": 56}
